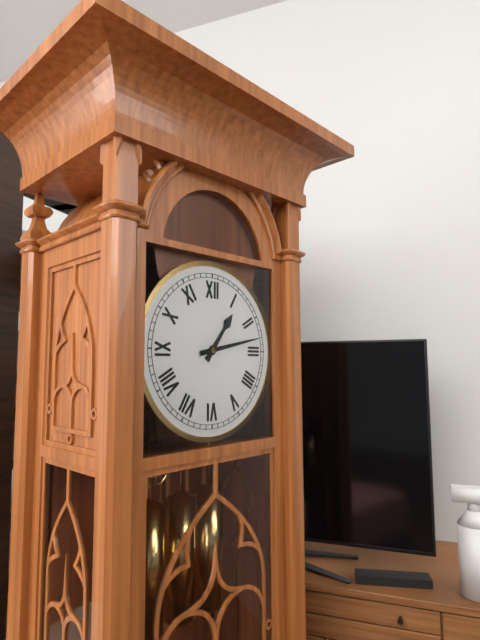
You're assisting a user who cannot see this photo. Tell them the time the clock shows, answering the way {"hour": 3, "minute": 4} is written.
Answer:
{"hour": 1, "minute": 13}
